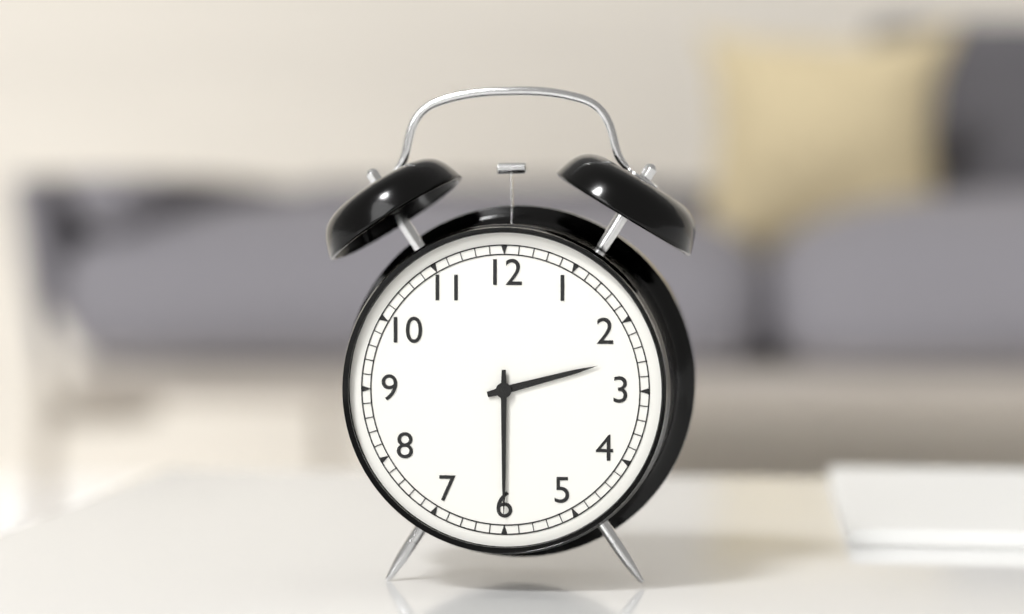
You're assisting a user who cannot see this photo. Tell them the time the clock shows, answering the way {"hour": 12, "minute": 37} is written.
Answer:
{"hour": 2, "minute": 30}
